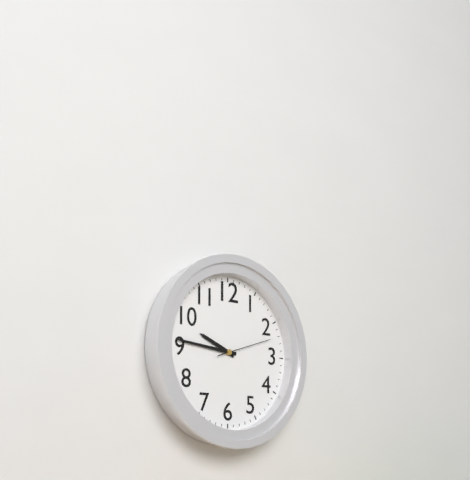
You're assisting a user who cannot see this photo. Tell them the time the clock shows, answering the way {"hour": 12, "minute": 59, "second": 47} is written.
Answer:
{"hour": 9, "minute": 46, "second": 12}
